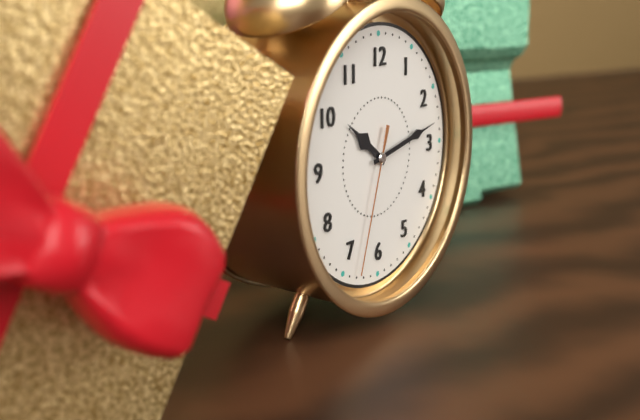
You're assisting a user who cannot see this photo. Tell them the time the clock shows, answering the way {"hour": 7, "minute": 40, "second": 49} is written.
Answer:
{"hour": 10, "minute": 13, "second": 33}
